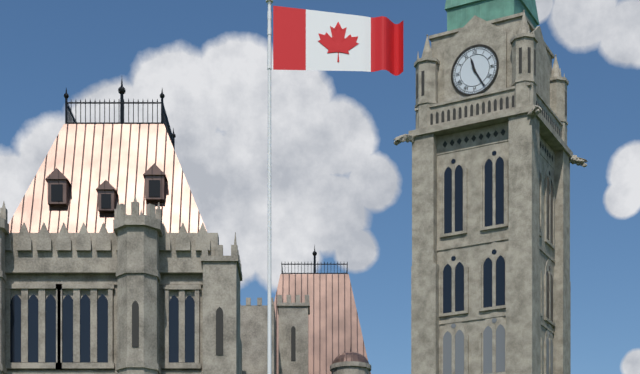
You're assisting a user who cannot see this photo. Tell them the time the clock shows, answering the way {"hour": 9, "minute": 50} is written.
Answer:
{"hour": 11, "minute": 25}
